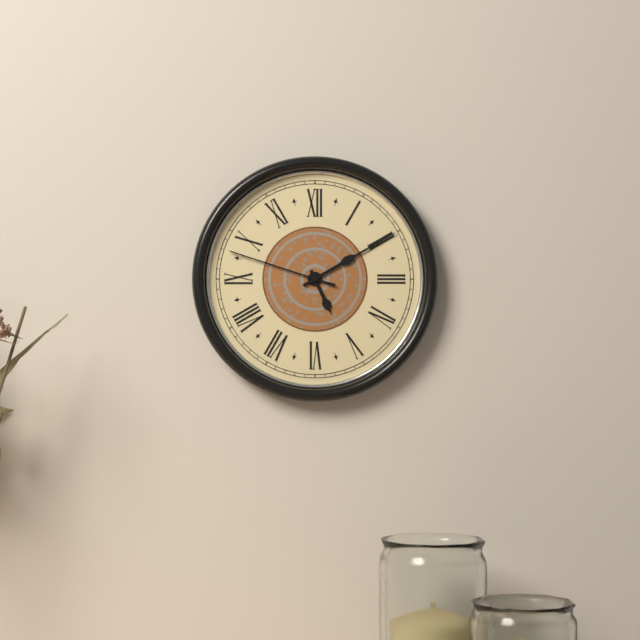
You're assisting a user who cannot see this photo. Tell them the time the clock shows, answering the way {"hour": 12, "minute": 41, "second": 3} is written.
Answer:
{"hour": 5, "minute": 10, "second": 48}
